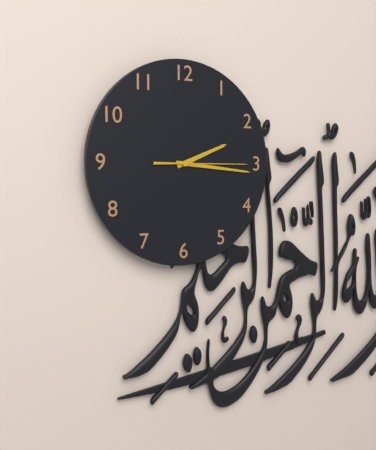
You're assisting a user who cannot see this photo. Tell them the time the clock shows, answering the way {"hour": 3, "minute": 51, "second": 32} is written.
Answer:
{"hour": 2, "minute": 16, "second": 15}
